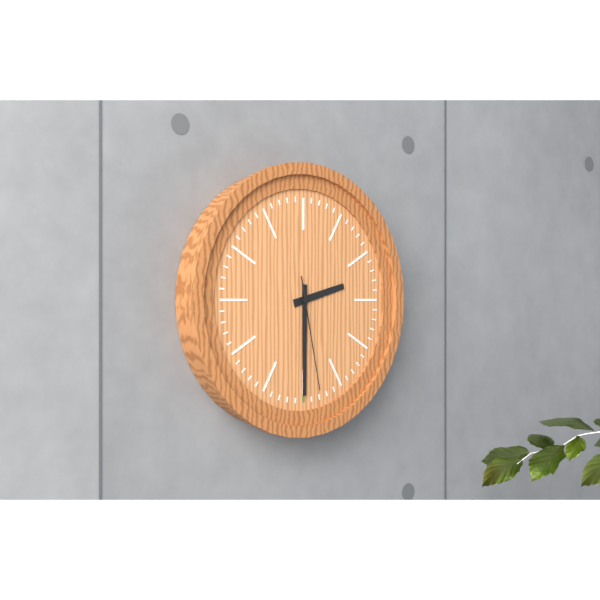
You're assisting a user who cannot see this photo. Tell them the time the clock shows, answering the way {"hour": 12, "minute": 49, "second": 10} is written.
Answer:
{"hour": 2, "minute": 30, "second": 28}
